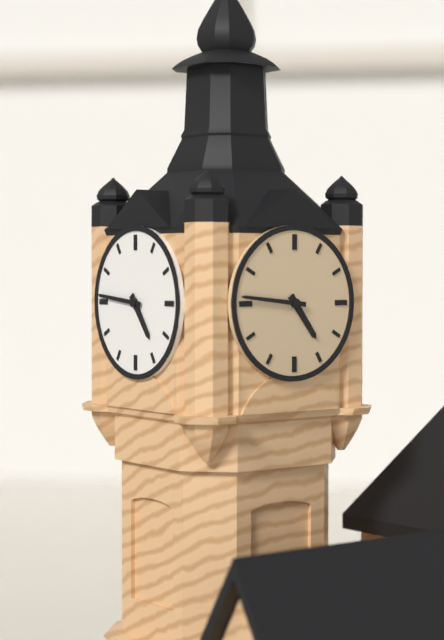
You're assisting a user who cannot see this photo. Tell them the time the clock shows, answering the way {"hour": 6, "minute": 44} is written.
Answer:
{"hour": 4, "minute": 46}
